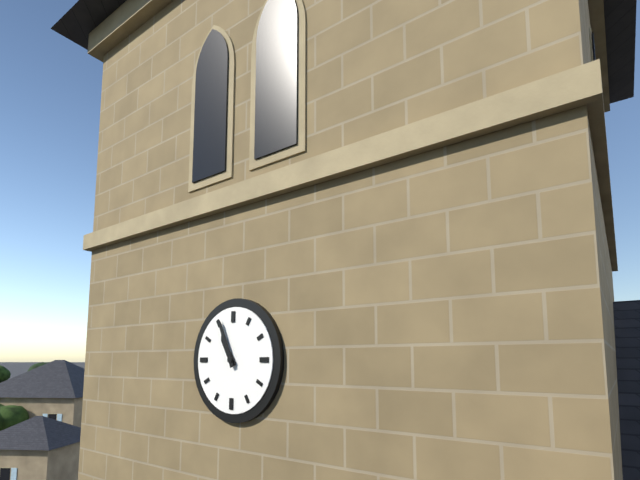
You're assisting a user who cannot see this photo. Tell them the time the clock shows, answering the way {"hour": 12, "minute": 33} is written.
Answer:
{"hour": 10, "minute": 56}
